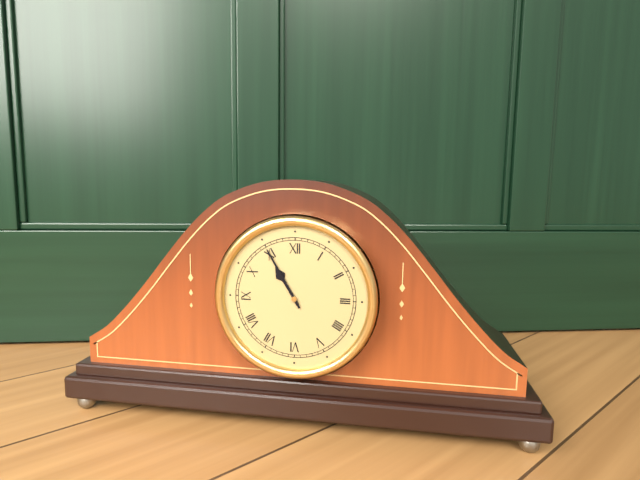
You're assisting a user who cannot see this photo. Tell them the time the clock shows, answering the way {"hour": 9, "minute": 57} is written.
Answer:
{"hour": 10, "minute": 55}
